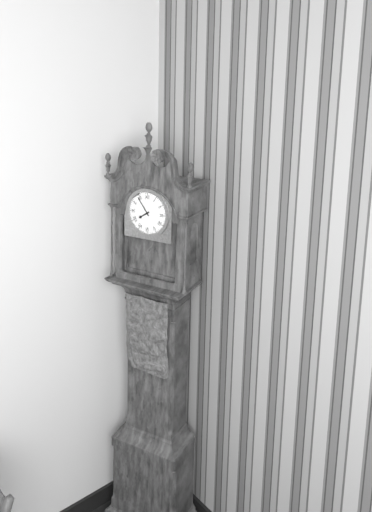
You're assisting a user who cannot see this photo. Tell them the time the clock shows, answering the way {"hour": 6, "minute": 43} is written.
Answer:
{"hour": 7, "minute": 54}
